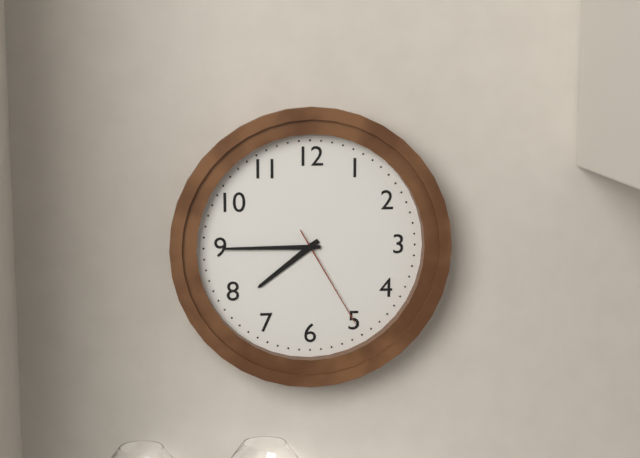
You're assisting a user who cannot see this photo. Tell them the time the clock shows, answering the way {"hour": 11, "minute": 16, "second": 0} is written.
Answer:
{"hour": 7, "minute": 45, "second": 25}
